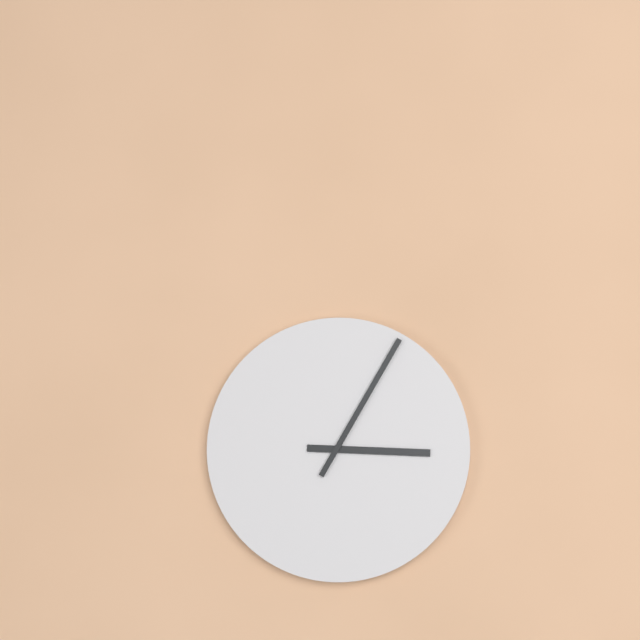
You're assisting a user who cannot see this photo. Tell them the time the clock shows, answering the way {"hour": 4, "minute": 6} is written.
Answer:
{"hour": 3, "minute": 5}
